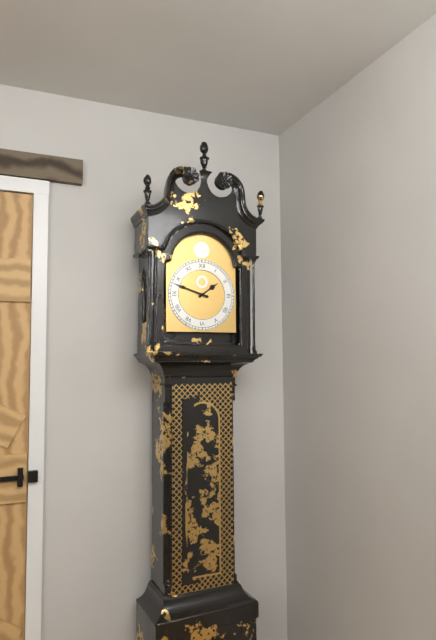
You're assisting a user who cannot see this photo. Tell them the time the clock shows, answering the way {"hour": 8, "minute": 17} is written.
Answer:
{"hour": 1, "minute": 48}
